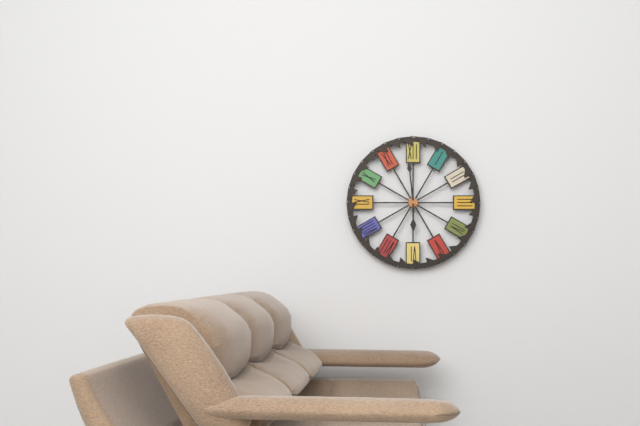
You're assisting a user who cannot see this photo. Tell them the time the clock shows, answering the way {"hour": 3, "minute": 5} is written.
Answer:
{"hour": 5, "minute": 59}
